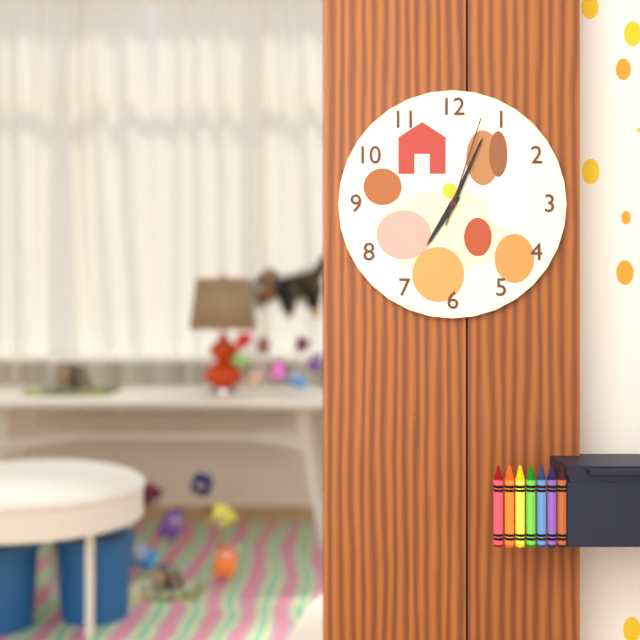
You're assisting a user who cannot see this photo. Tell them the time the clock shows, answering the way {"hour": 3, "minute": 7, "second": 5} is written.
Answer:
{"hour": 7, "minute": 4, "second": 3}
